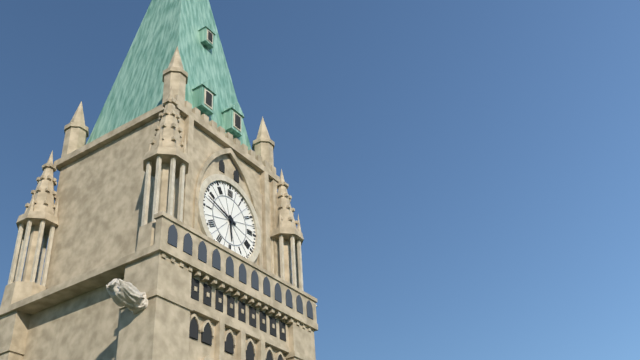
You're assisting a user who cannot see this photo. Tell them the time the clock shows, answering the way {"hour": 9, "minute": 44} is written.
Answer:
{"hour": 5, "minute": 48}
